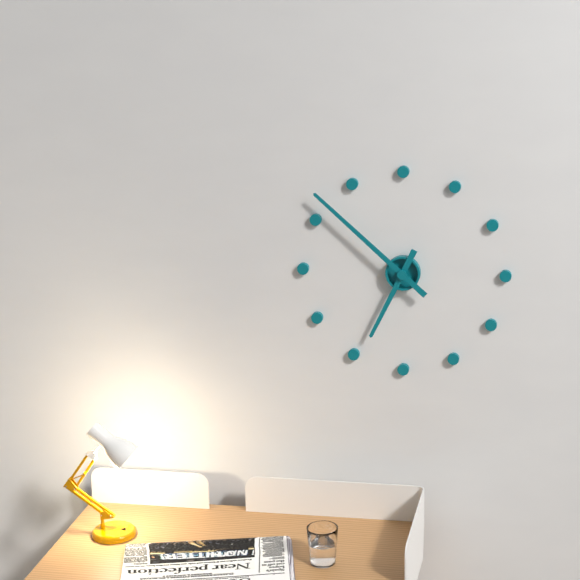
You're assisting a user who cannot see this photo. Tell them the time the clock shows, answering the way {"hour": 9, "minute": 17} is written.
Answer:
{"hour": 6, "minute": 52}
